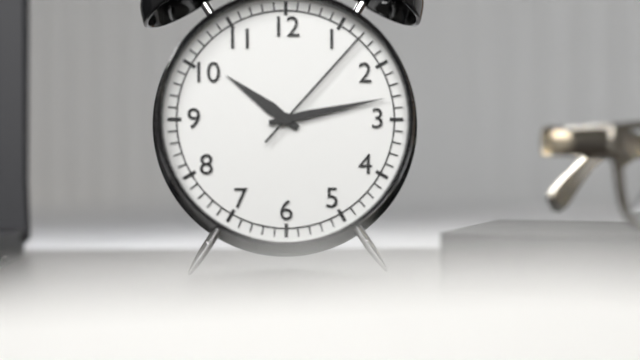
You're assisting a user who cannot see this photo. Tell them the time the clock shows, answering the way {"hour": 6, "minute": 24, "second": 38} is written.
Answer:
{"hour": 10, "minute": 13, "second": 7}
